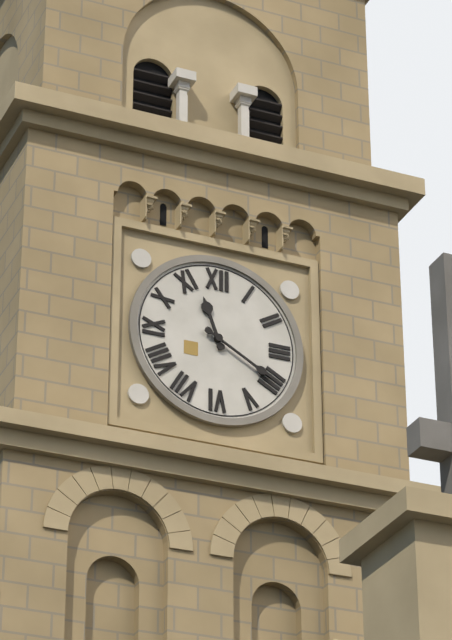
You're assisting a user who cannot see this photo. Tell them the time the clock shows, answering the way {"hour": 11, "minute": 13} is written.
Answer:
{"hour": 11, "minute": 20}
